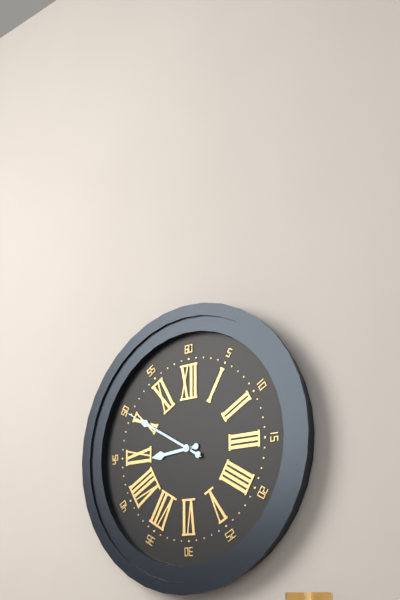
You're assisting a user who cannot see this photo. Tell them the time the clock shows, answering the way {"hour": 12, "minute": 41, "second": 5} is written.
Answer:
{"hour": 8, "minute": 50, "second": 50}
